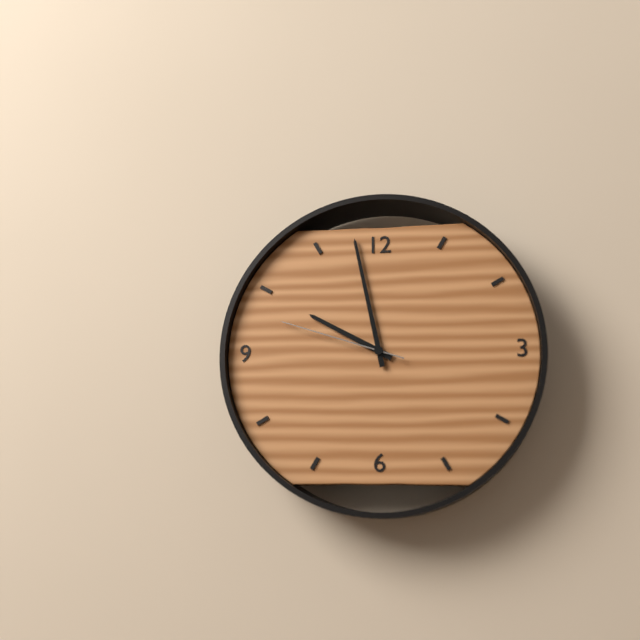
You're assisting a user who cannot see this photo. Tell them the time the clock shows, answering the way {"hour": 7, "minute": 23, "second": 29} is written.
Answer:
{"hour": 9, "minute": 58, "second": 48}
